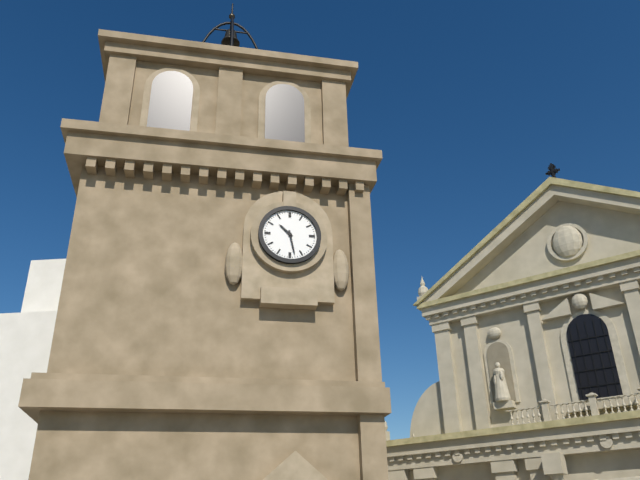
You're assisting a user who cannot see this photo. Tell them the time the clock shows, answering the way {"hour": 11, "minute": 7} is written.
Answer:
{"hour": 10, "minute": 28}
